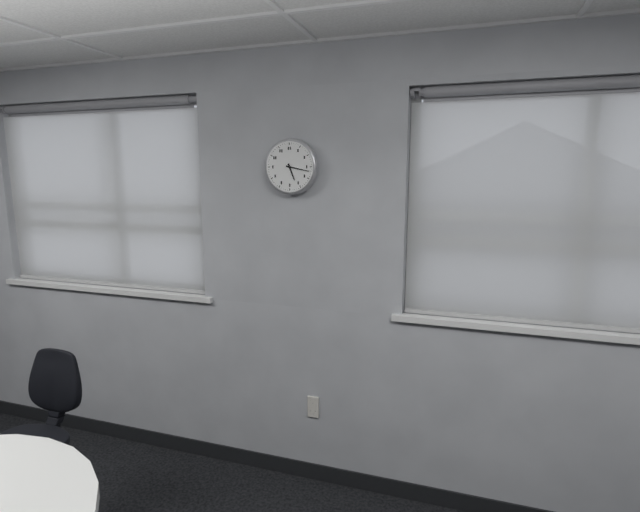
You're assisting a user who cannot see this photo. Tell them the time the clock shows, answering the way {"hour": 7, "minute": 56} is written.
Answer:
{"hour": 5, "minute": 17}
